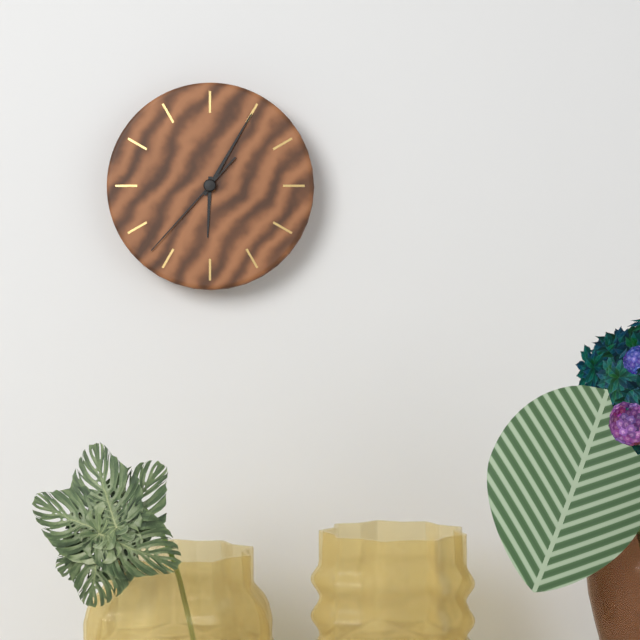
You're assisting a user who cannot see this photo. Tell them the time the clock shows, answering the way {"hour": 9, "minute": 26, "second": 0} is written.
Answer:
{"hour": 6, "minute": 5, "second": 37}
